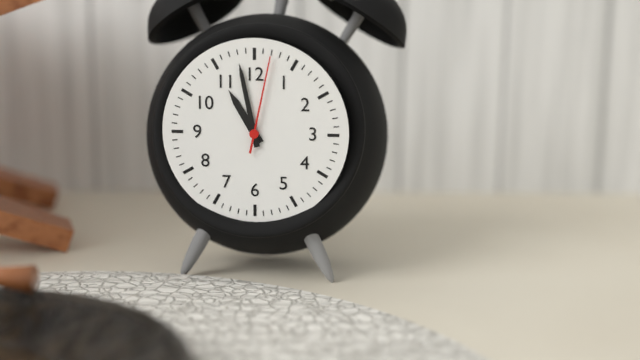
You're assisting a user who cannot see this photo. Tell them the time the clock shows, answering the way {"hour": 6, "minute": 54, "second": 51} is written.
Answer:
{"hour": 10, "minute": 58, "second": 2}
